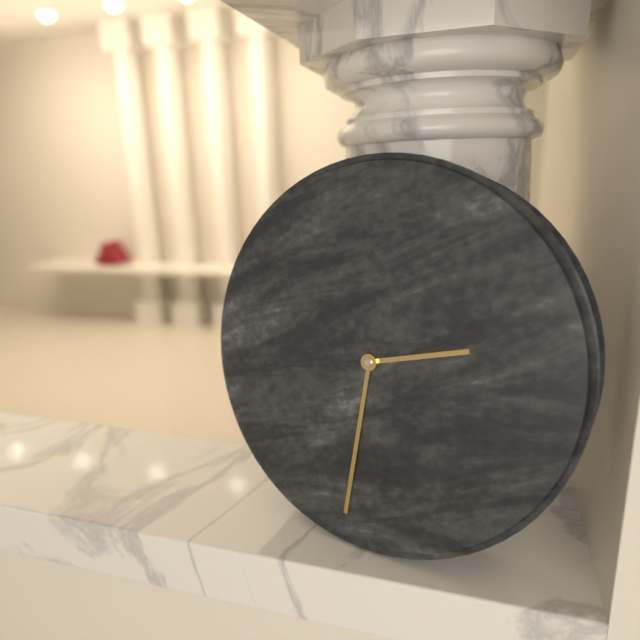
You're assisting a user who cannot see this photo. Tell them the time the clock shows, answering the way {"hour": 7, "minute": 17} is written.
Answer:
{"hour": 2, "minute": 31}
